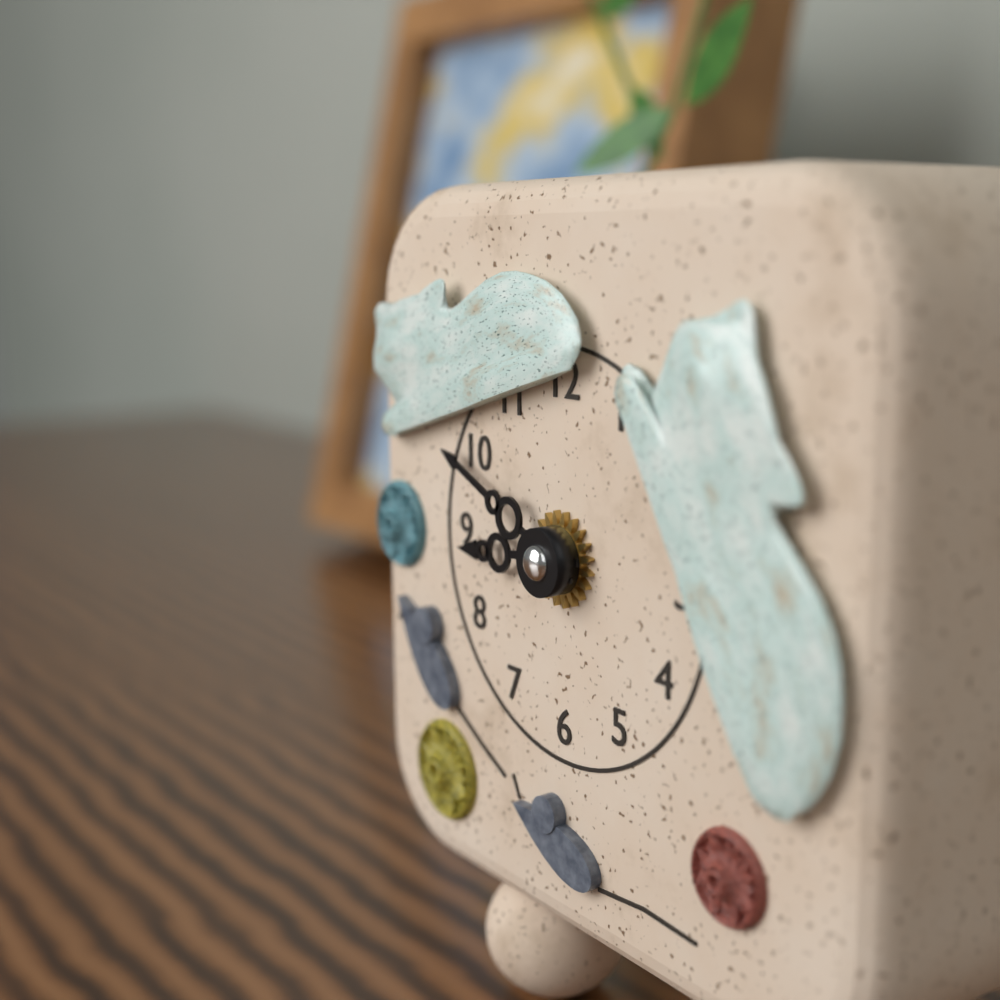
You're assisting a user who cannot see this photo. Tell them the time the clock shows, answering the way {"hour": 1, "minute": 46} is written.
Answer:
{"hour": 8, "minute": 49}
